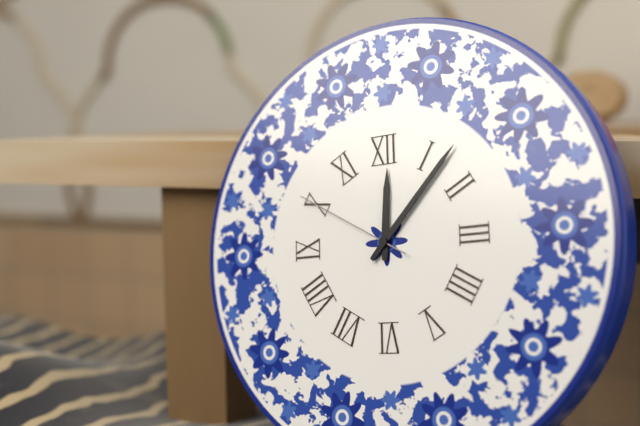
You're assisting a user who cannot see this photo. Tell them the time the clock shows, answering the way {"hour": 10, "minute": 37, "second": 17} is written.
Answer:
{"hour": 12, "minute": 7, "second": 50}
